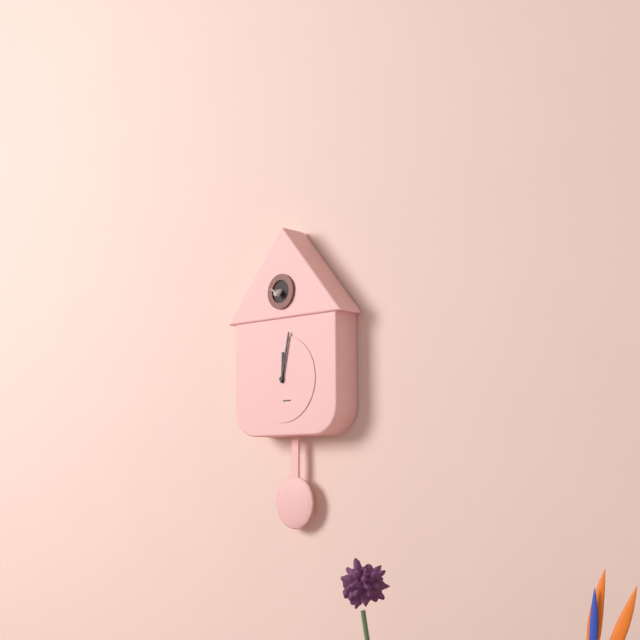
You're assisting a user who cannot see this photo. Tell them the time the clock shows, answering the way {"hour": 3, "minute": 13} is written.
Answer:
{"hour": 12, "minute": 2}
